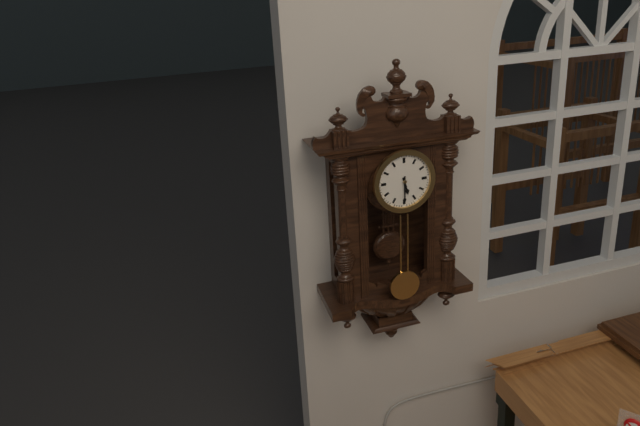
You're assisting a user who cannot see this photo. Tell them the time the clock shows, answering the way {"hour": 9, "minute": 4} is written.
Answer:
{"hour": 5, "minute": 30}
